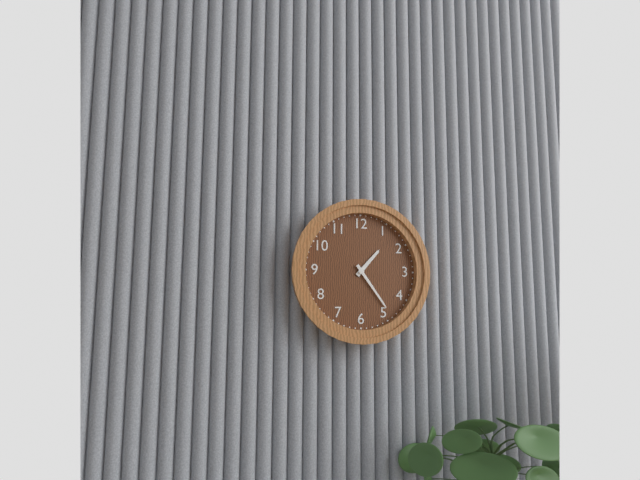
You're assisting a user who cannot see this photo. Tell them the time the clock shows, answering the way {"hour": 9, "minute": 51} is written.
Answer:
{"hour": 1, "minute": 24}
